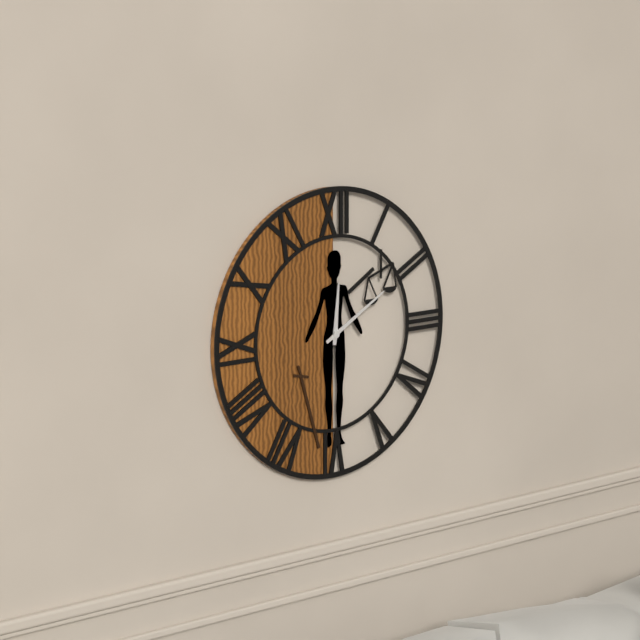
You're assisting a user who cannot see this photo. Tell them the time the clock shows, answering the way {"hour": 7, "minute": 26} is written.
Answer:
{"hour": 12, "minute": 10}
